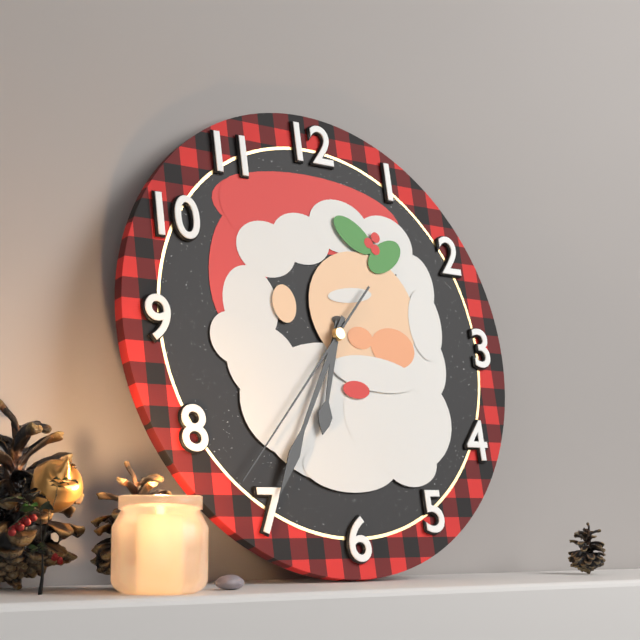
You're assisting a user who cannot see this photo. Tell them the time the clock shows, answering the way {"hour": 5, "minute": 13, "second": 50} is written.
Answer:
{"hour": 6, "minute": 35, "second": 37}
